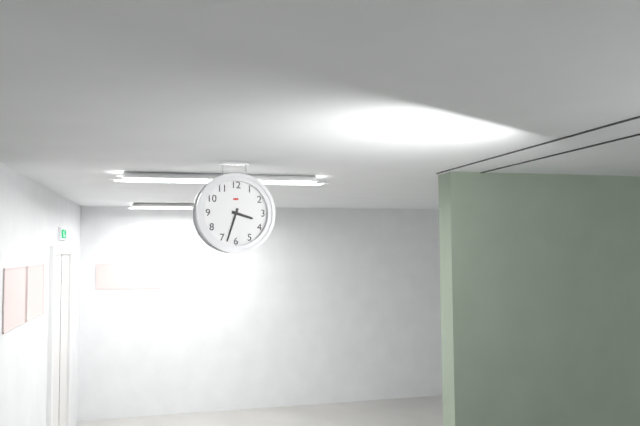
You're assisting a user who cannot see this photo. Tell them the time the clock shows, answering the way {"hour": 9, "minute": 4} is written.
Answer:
{"hour": 3, "minute": 33}
